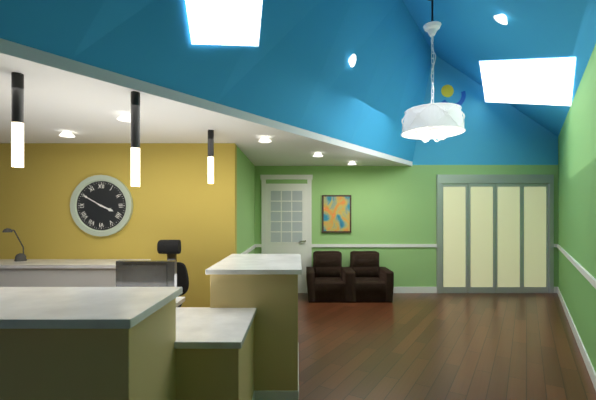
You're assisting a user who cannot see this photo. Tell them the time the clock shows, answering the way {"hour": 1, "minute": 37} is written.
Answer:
{"hour": 3, "minute": 50}
